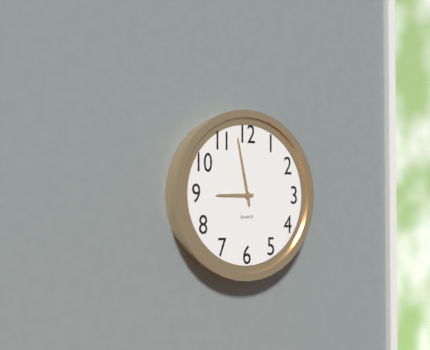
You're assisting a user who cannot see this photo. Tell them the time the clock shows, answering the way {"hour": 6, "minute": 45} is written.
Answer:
{"hour": 8, "minute": 58}
